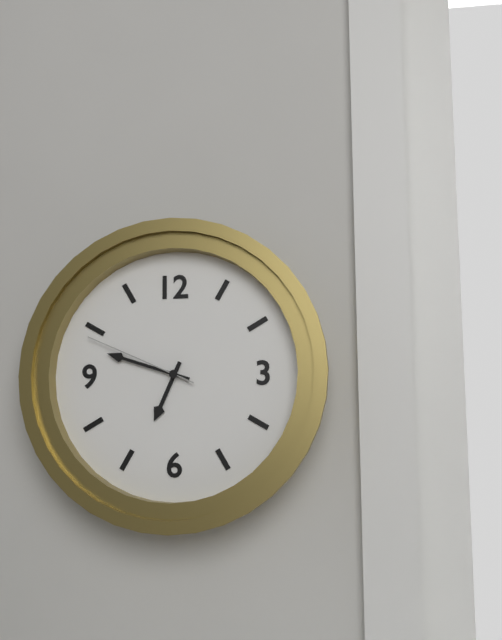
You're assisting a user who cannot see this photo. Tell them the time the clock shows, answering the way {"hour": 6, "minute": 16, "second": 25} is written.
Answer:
{"hour": 6, "minute": 48, "second": 49}
